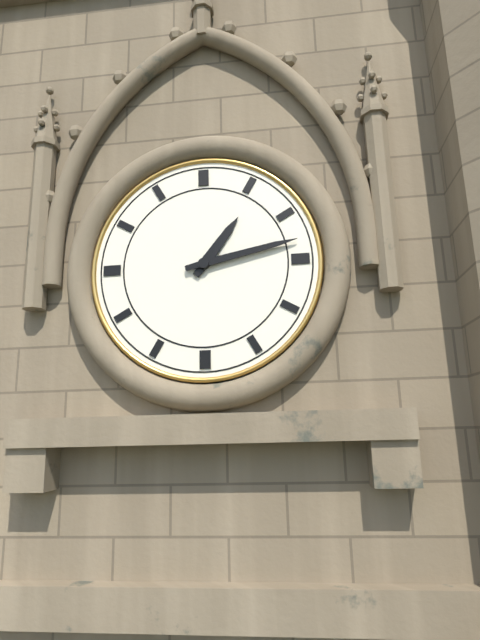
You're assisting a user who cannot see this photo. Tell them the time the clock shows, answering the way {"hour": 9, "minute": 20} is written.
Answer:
{"hour": 1, "minute": 13}
